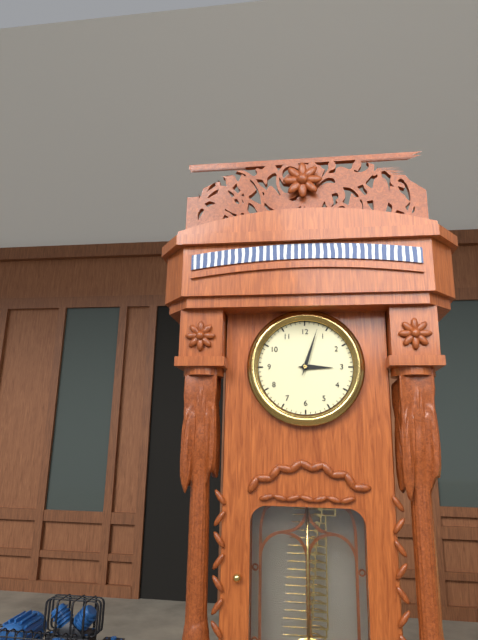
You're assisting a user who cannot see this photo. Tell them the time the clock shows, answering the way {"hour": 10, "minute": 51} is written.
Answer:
{"hour": 3, "minute": 3}
